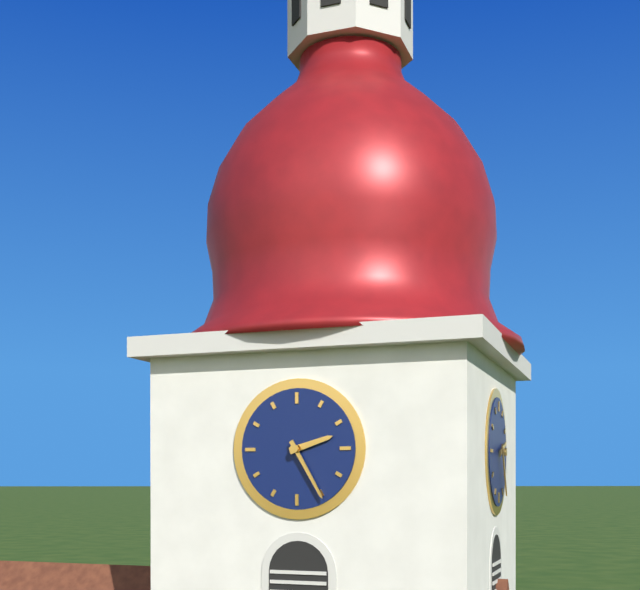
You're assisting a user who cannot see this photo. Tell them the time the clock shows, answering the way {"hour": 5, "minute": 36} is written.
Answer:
{"hour": 2, "minute": 25}
